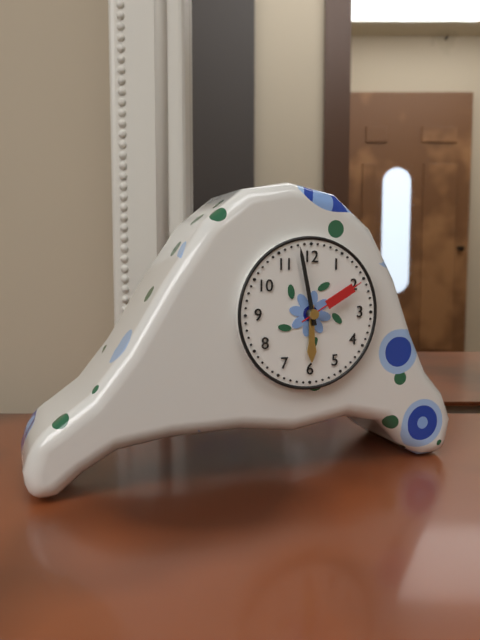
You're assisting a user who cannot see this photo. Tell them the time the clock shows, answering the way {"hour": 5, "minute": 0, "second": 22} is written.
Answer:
{"hour": 5, "minute": 58, "second": 10}
